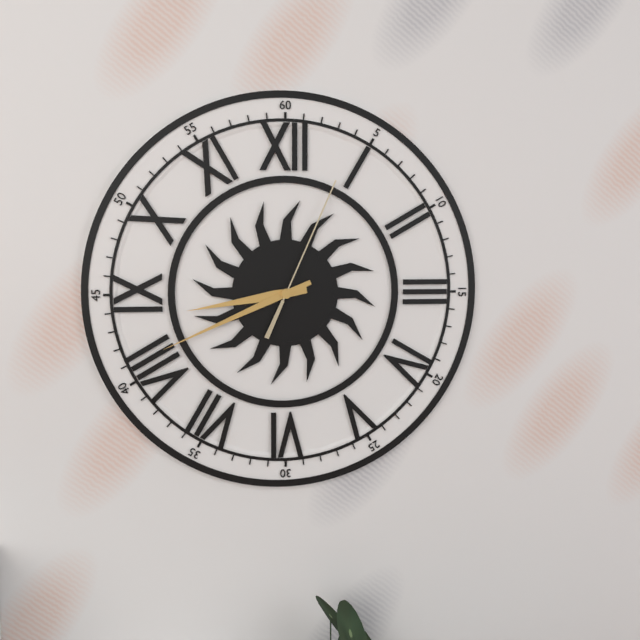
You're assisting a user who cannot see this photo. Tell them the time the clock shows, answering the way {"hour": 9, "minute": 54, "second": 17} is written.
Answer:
{"hour": 8, "minute": 41, "second": 4}
